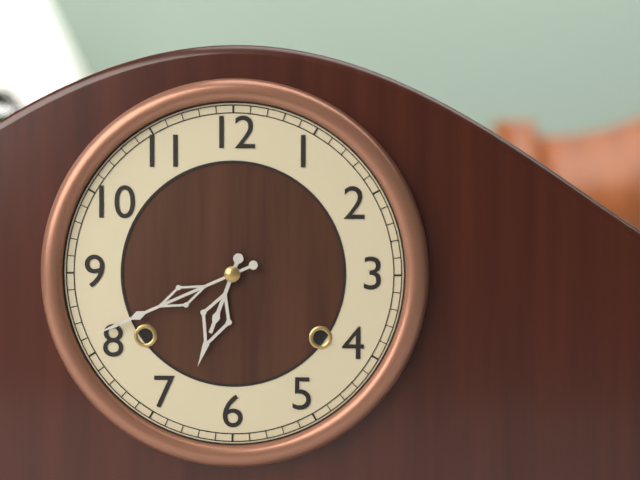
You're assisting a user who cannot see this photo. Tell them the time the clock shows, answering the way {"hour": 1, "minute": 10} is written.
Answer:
{"hour": 6, "minute": 41}
